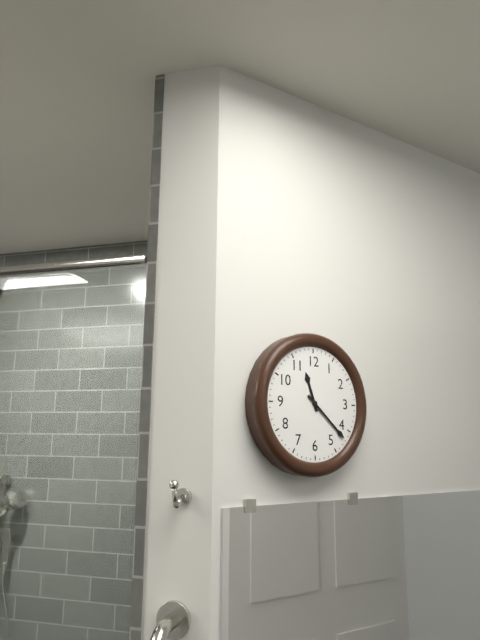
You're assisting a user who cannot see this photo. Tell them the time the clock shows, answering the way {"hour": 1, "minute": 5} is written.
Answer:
{"hour": 11, "minute": 22}
